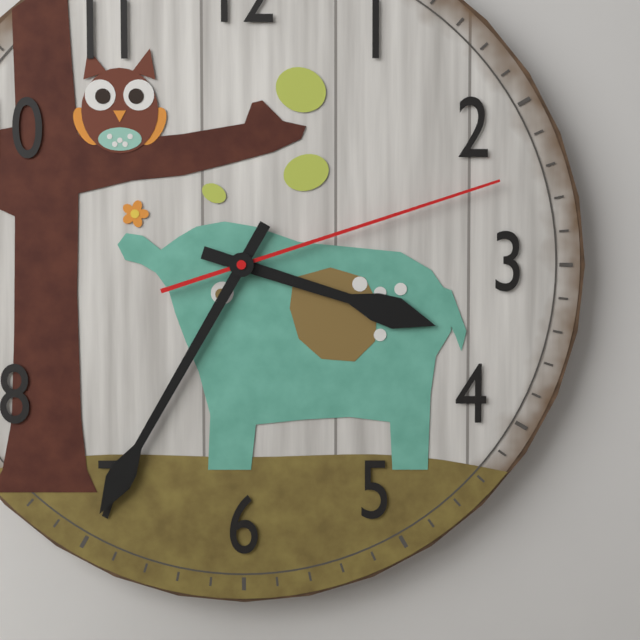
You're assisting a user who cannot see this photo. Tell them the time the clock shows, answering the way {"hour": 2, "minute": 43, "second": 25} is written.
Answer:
{"hour": 3, "minute": 35, "second": 12}
